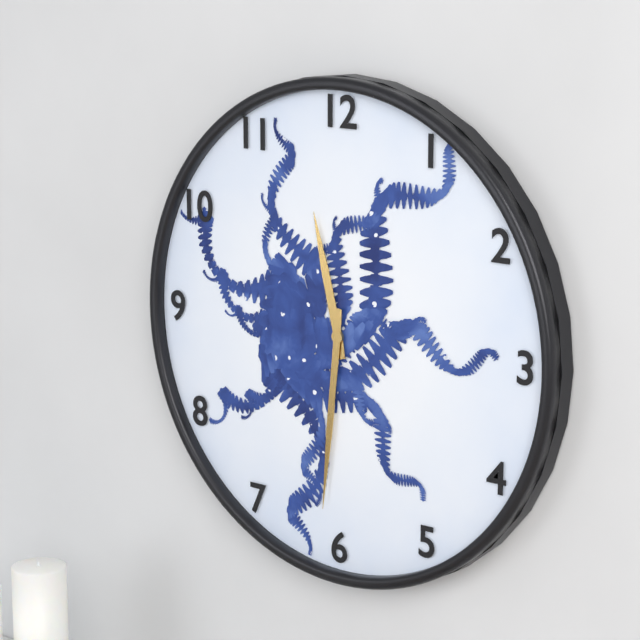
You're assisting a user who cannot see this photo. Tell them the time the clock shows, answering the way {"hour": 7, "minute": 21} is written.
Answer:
{"hour": 11, "minute": 31}
